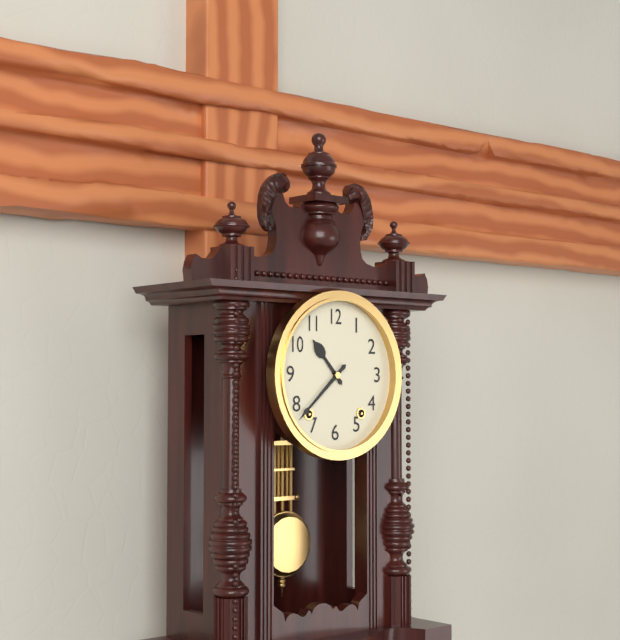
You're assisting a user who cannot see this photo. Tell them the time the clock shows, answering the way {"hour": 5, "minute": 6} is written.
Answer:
{"hour": 10, "minute": 38}
